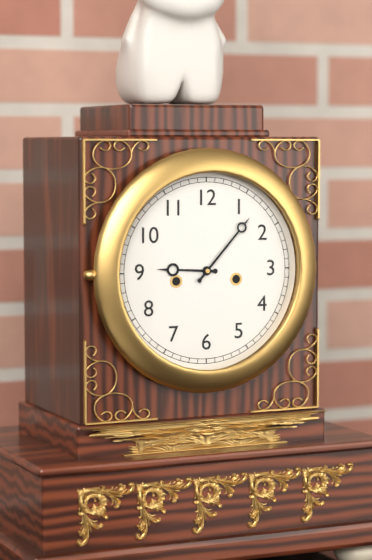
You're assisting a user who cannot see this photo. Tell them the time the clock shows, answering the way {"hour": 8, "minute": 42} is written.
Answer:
{"hour": 9, "minute": 7}
